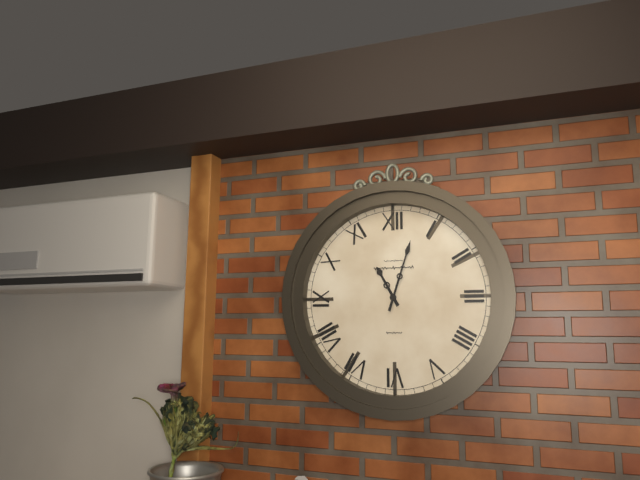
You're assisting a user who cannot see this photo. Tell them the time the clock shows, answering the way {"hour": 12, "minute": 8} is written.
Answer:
{"hour": 11, "minute": 3}
